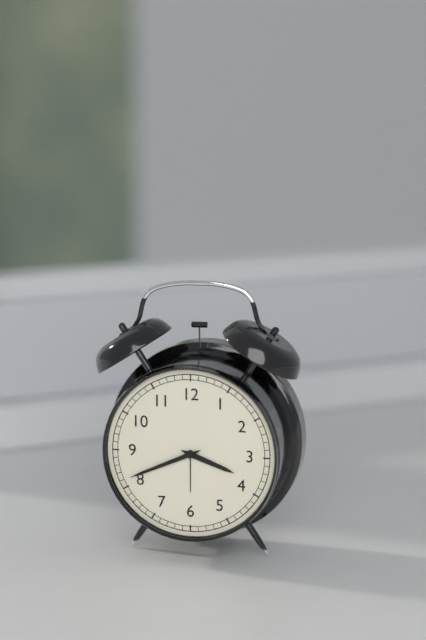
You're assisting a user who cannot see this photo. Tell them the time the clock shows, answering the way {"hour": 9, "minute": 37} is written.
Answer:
{"hour": 3, "minute": 41}
